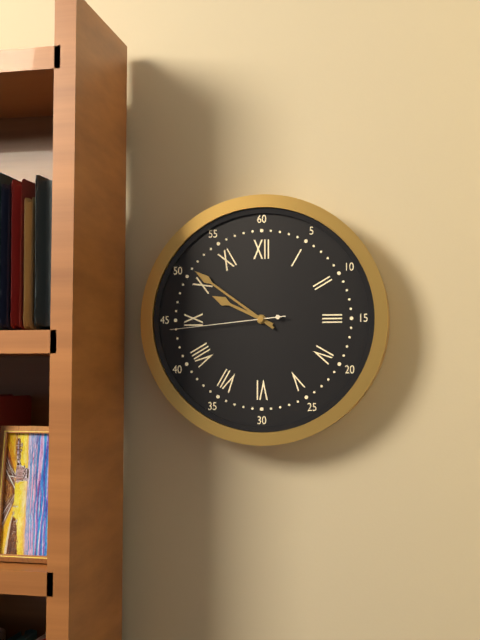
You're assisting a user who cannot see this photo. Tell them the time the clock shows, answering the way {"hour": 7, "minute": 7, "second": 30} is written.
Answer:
{"hour": 9, "minute": 51, "second": 44}
